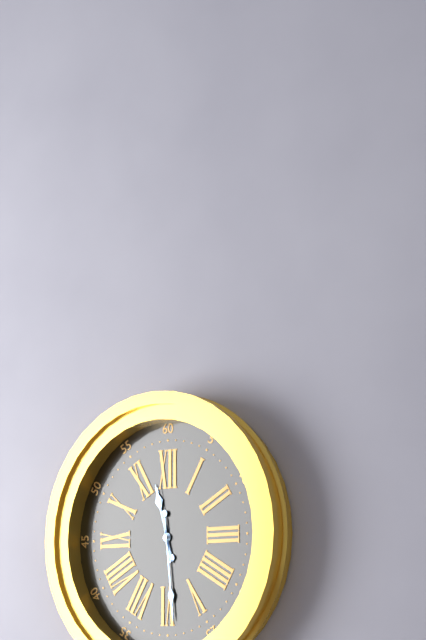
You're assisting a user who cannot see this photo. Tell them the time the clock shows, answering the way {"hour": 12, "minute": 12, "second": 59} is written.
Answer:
{"hour": 11, "minute": 29, "second": 58}
